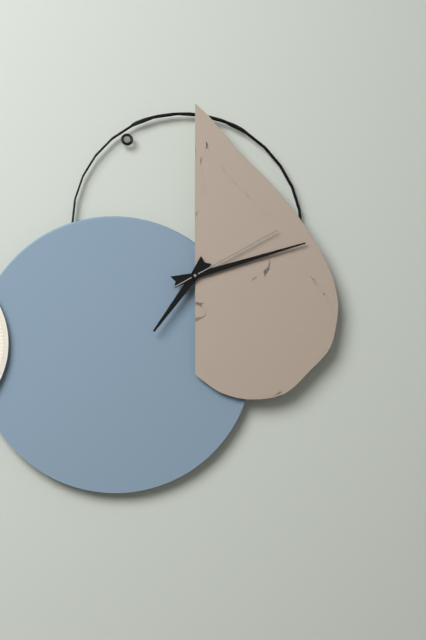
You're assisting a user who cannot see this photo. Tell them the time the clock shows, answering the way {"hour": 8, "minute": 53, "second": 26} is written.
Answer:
{"hour": 7, "minute": 12, "second": 10}
